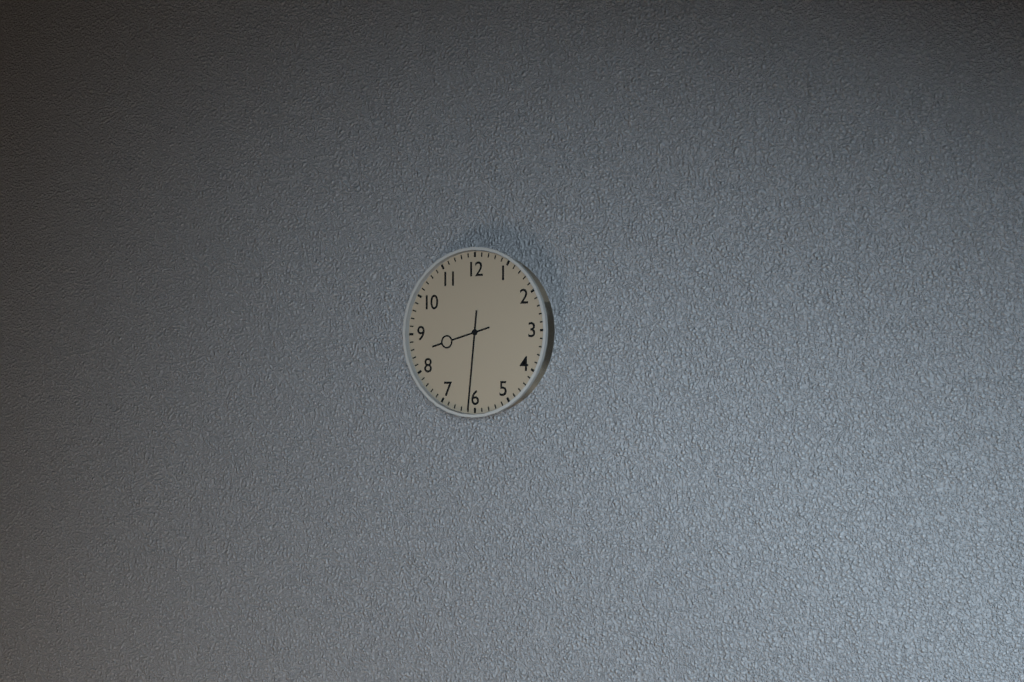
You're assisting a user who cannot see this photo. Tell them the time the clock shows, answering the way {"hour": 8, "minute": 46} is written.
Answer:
{"hour": 8, "minute": 31}
